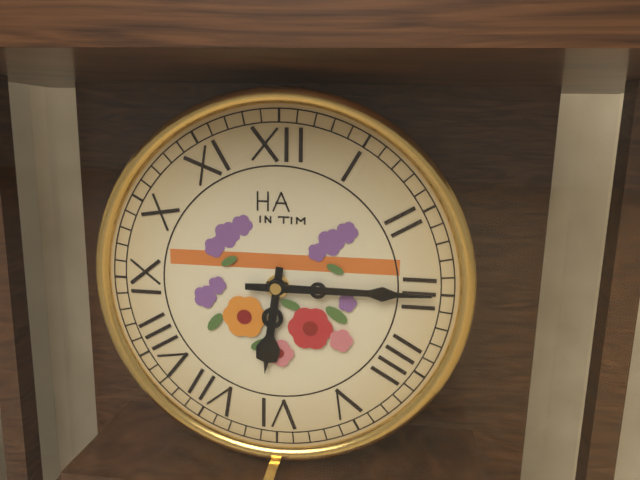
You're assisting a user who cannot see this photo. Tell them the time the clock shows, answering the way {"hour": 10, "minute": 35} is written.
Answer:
{"hour": 6, "minute": 15}
